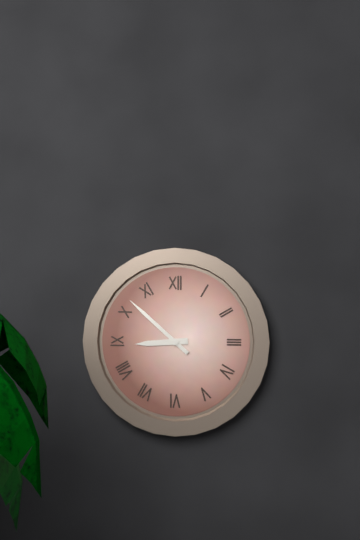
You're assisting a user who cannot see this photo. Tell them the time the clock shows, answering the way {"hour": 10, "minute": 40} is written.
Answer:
{"hour": 8, "minute": 52}
